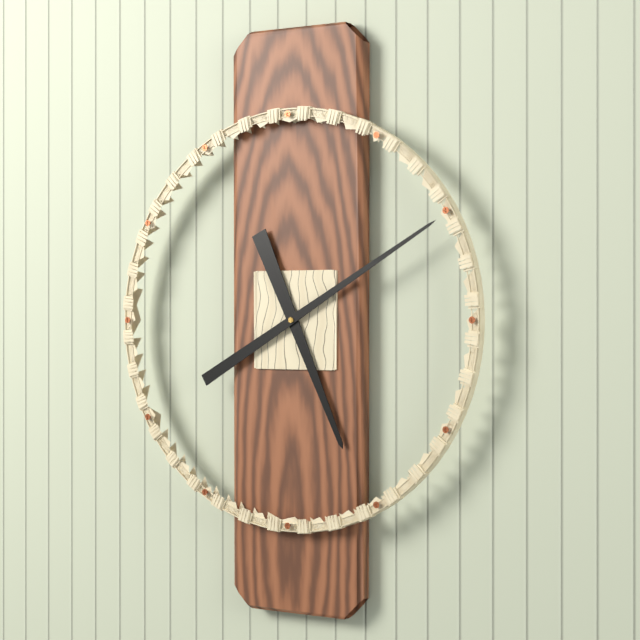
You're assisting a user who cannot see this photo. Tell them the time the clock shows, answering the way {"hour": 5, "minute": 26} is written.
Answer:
{"hour": 5, "minute": 10}
